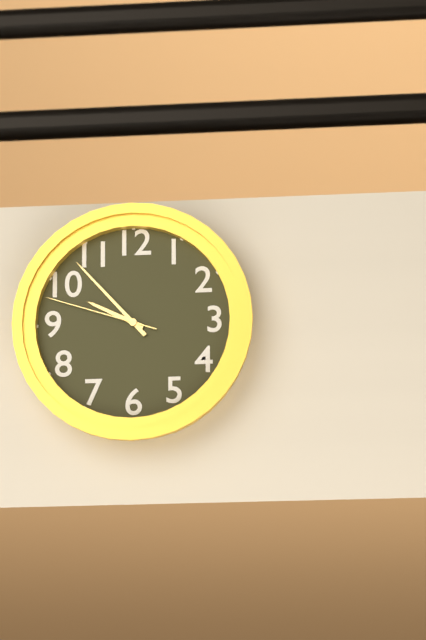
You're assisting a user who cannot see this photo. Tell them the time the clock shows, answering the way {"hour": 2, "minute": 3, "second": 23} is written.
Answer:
{"hour": 9, "minute": 53, "second": 48}
